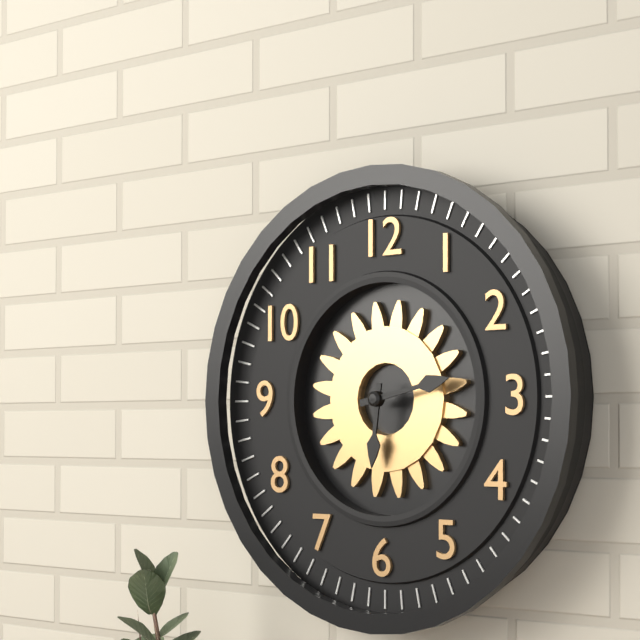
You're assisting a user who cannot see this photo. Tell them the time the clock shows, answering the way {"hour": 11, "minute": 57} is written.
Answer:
{"hour": 6, "minute": 13}
